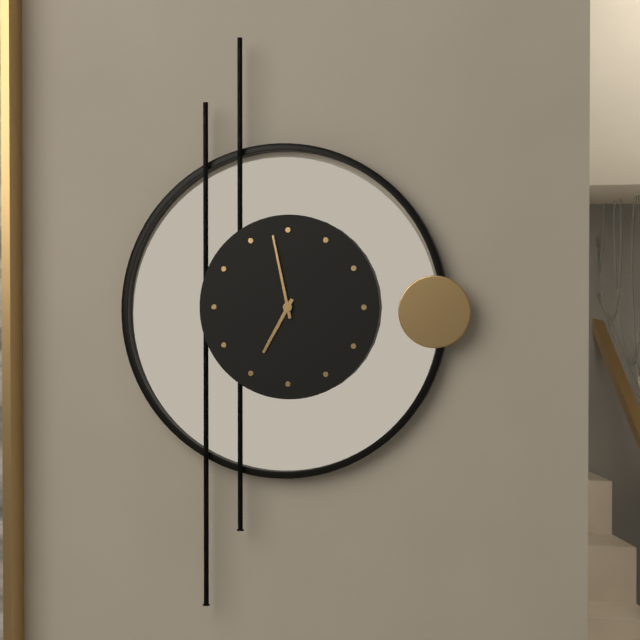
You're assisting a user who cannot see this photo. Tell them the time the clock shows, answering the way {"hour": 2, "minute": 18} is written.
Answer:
{"hour": 6, "minute": 58}
